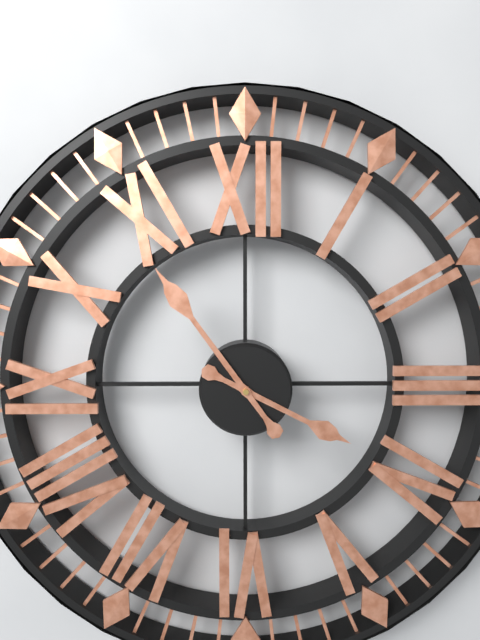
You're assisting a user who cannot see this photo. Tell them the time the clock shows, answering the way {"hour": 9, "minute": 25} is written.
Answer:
{"hour": 3, "minute": 54}
